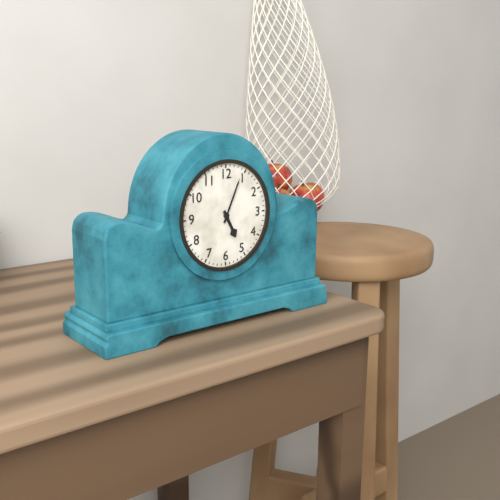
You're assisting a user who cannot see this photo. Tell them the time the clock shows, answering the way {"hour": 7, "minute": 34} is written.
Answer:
{"hour": 5, "minute": 4}
